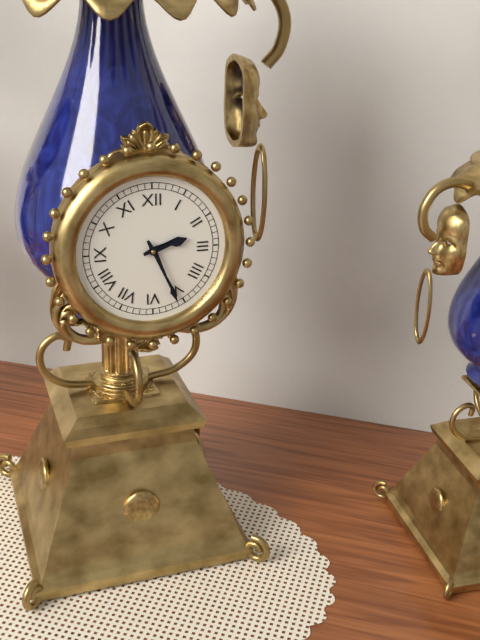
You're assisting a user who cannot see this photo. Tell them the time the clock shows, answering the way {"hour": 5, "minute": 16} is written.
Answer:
{"hour": 2, "minute": 26}
